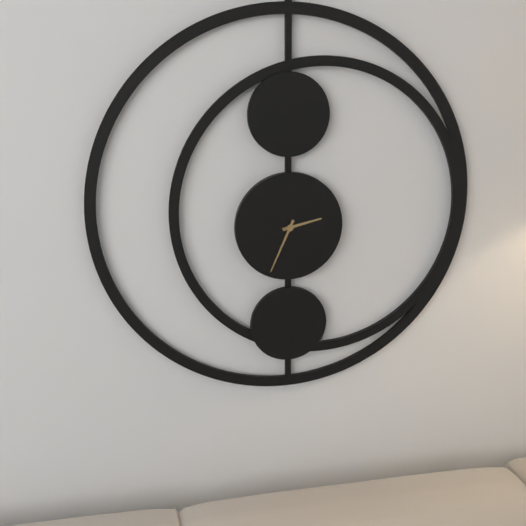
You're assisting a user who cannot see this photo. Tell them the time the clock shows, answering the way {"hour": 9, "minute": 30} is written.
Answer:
{"hour": 2, "minute": 34}
